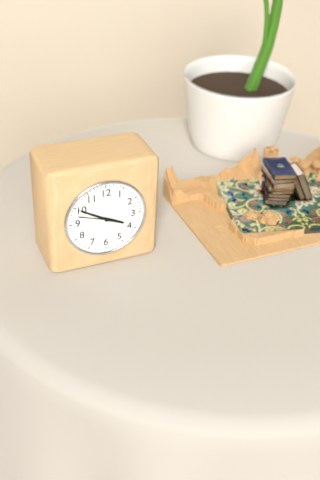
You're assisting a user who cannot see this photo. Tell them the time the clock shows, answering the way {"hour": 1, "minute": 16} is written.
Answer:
{"hour": 3, "minute": 50}
